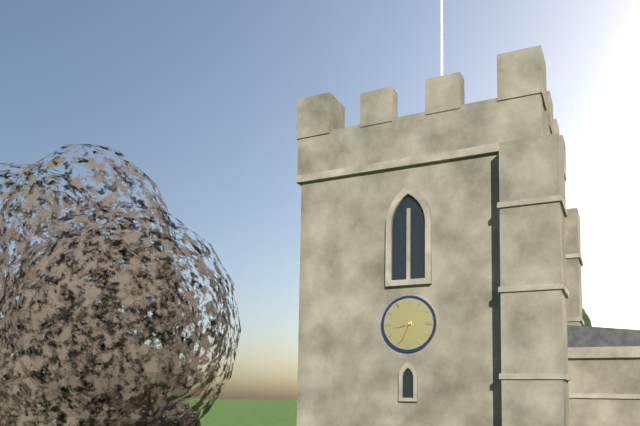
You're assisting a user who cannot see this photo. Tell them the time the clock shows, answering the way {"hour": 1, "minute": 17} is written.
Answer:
{"hour": 8, "minute": 34}
